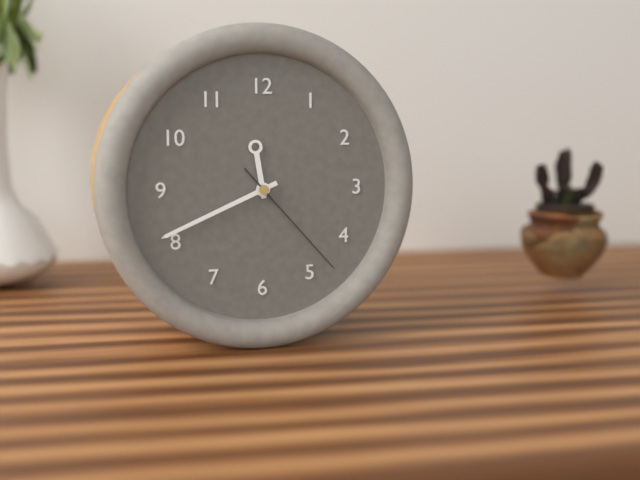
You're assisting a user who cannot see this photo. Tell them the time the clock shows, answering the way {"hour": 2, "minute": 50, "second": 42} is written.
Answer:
{"hour": 11, "minute": 41, "second": 23}
